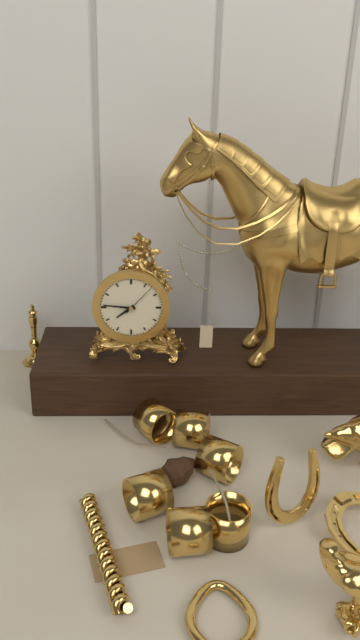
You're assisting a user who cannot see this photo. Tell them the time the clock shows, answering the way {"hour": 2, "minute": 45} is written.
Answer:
{"hour": 7, "minute": 46}
